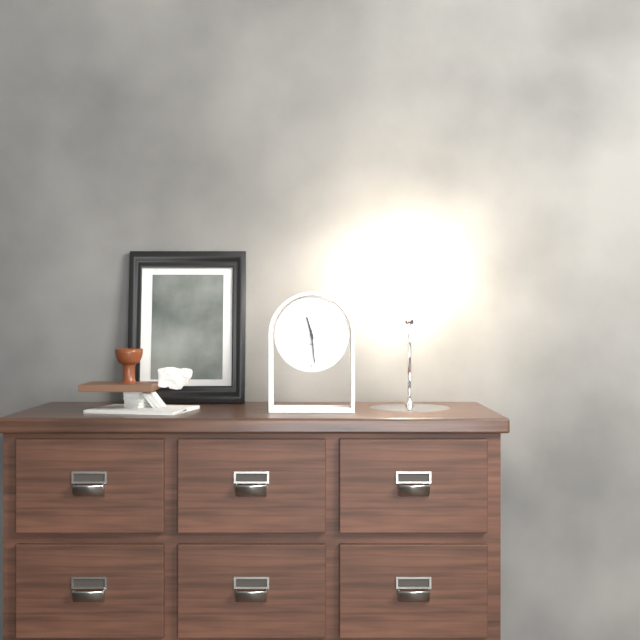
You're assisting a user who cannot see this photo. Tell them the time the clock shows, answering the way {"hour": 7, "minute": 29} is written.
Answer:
{"hour": 11, "minute": 29}
